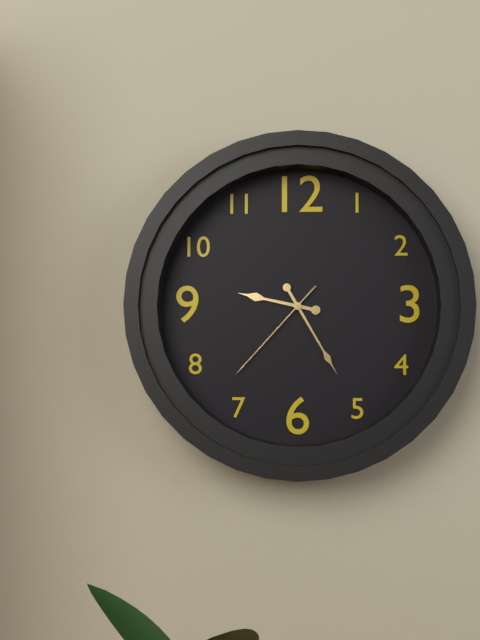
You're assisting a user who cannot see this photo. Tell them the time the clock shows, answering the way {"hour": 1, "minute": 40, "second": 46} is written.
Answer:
{"hour": 9, "minute": 25, "second": 37}
